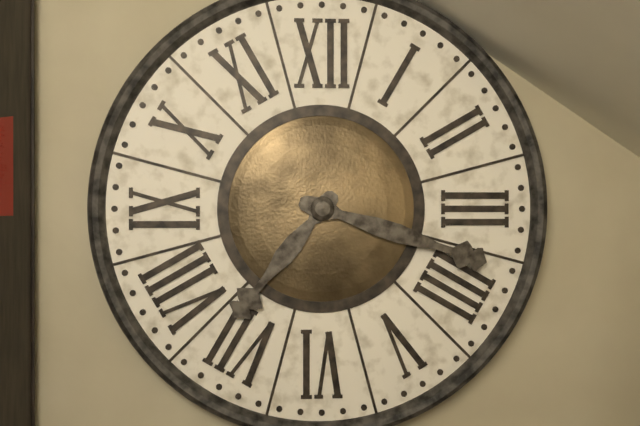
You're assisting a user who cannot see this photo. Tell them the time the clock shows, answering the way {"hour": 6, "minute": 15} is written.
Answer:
{"hour": 7, "minute": 18}
